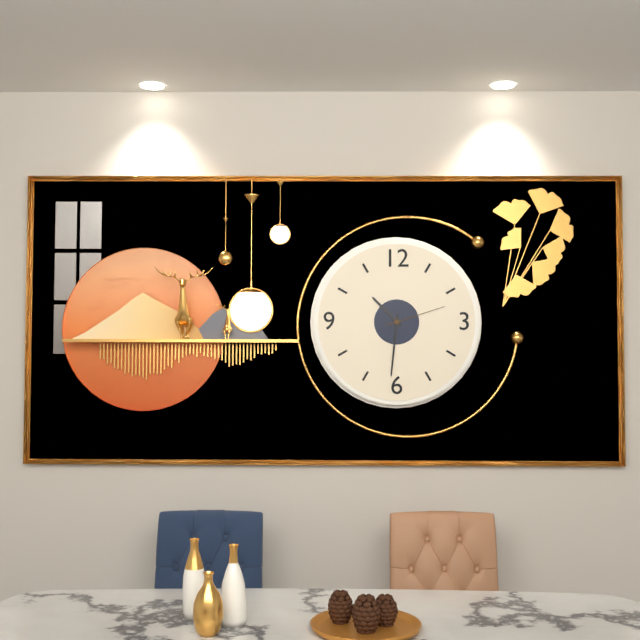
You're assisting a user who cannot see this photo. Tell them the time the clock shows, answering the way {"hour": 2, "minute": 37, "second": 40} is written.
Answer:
{"hour": 10, "minute": 31, "second": 12}
